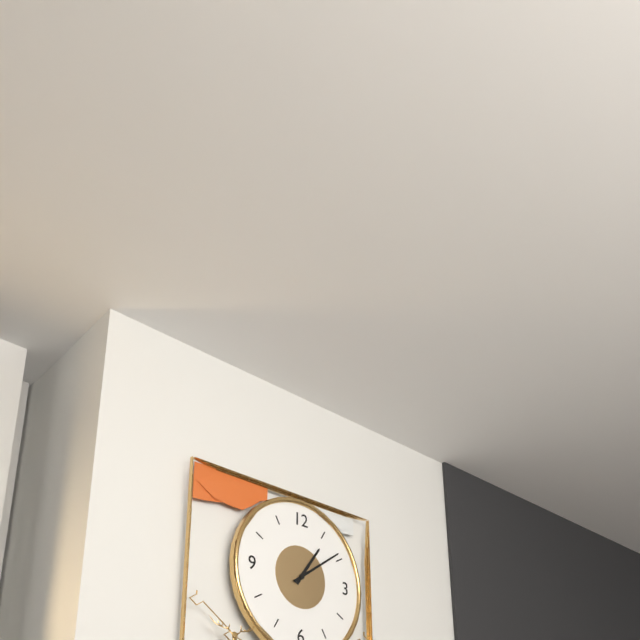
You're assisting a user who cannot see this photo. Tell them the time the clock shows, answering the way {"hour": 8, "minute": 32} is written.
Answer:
{"hour": 1, "minute": 9}
